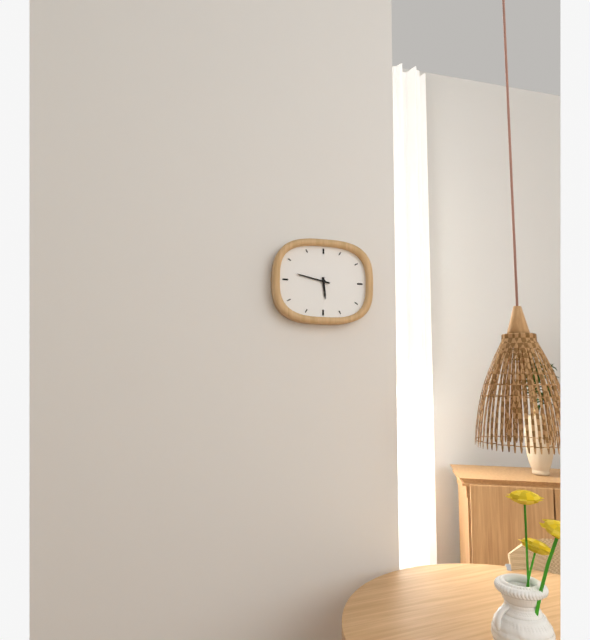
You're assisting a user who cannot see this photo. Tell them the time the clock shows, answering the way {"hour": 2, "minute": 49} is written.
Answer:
{"hour": 5, "minute": 47}
